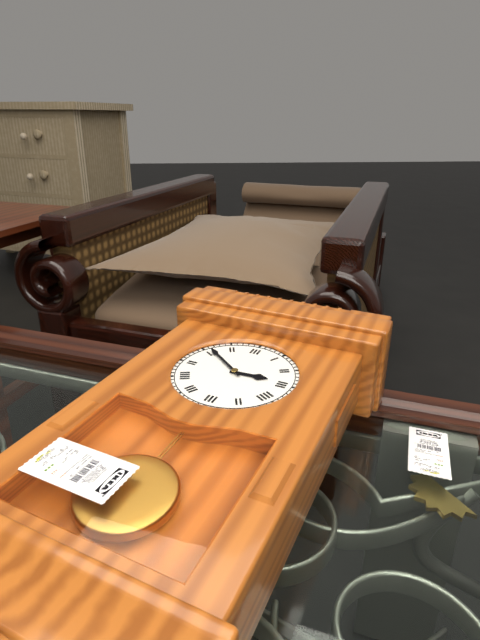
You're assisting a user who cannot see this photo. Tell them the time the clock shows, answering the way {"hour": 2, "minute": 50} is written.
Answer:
{"hour": 2, "minute": 51}
